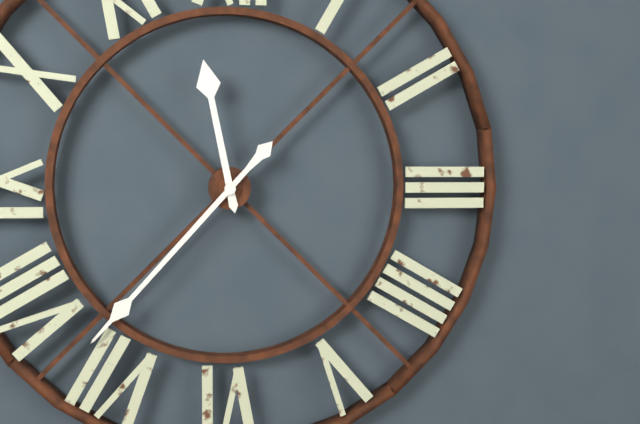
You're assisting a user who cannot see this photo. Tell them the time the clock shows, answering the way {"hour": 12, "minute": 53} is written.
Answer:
{"hour": 11, "minute": 37}
